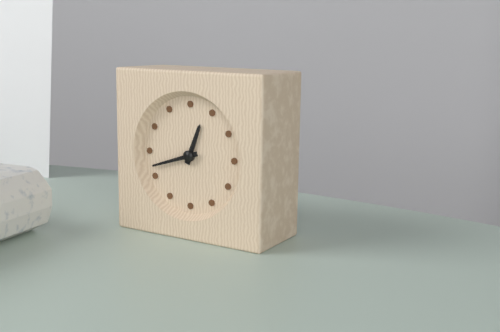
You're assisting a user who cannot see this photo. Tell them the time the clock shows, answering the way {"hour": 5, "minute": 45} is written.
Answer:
{"hour": 12, "minute": 42}
